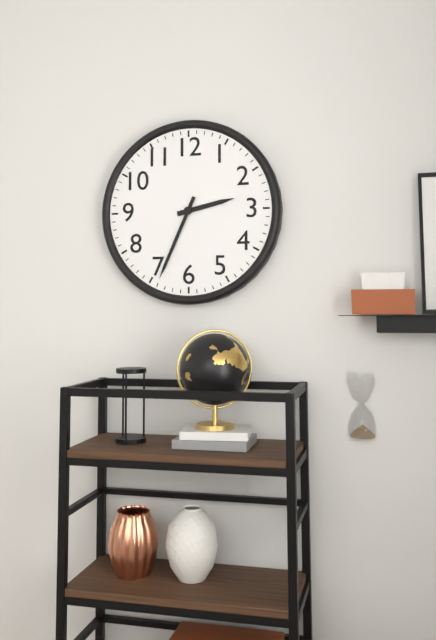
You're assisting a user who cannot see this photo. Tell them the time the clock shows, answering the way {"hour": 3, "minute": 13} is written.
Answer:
{"hour": 2, "minute": 34}
